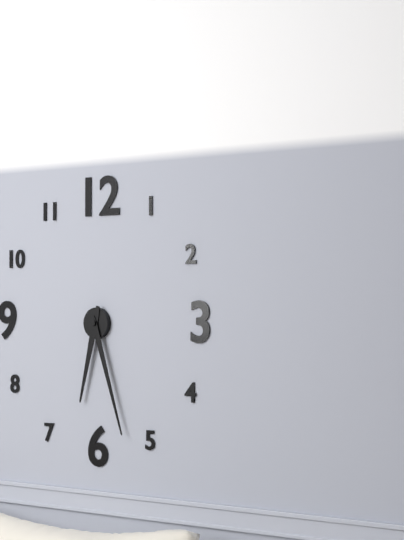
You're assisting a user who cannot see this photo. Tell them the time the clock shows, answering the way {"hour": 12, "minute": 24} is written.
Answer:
{"hour": 6, "minute": 27}
